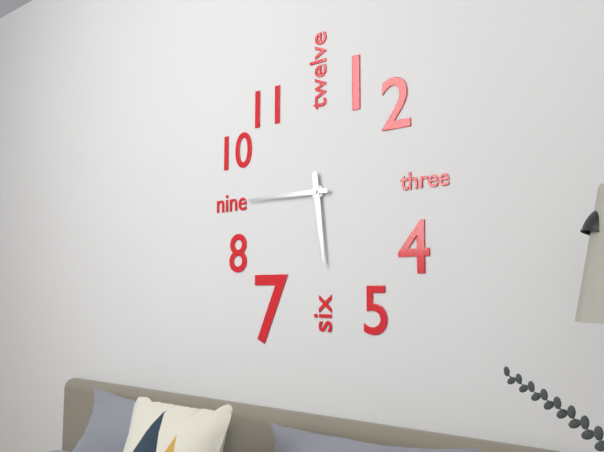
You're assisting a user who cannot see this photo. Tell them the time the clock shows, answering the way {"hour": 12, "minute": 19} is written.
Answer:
{"hour": 5, "minute": 45}
